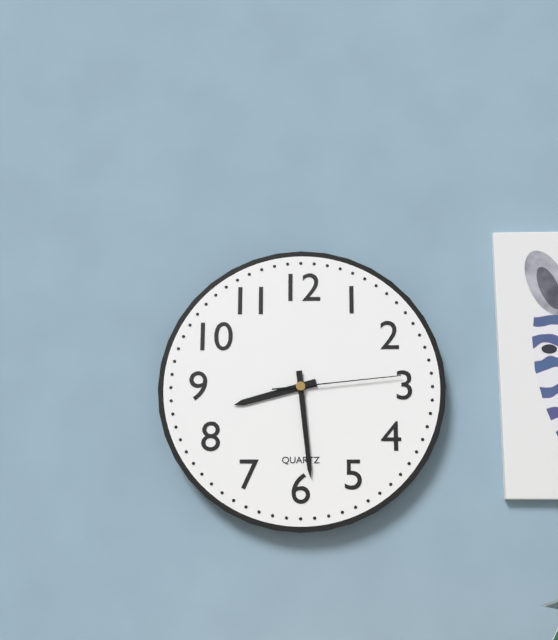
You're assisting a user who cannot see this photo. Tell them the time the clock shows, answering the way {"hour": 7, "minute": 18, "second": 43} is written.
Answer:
{"hour": 8, "minute": 29, "second": 14}
